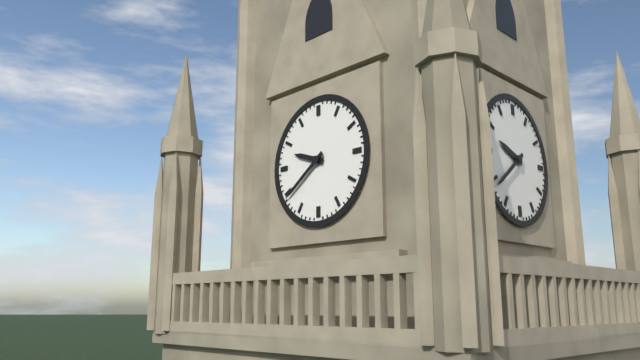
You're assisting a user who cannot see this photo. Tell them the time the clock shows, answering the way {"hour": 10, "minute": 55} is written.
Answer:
{"hour": 9, "minute": 39}
